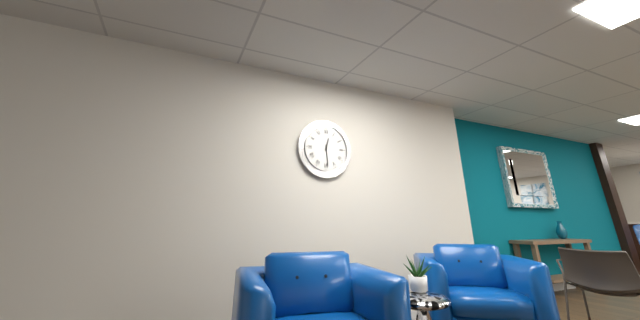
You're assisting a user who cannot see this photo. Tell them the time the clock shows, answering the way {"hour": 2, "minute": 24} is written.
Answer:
{"hour": 12, "minute": 29}
